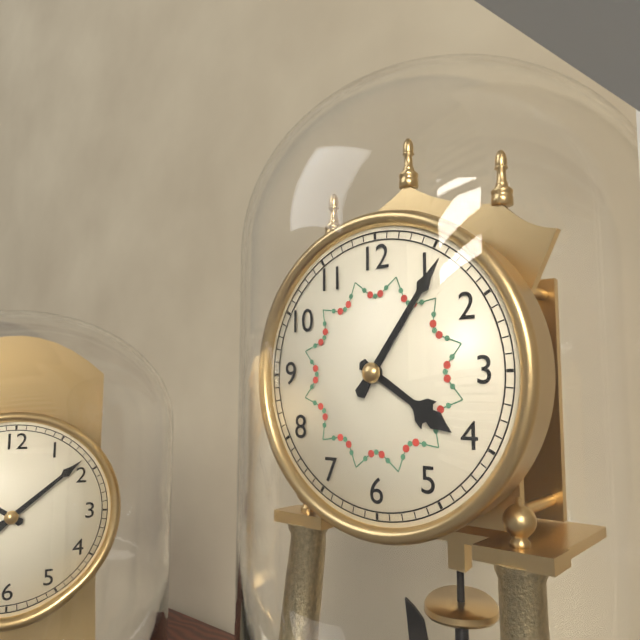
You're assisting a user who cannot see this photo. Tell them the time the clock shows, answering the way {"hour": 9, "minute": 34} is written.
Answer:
{"hour": 4, "minute": 6}
